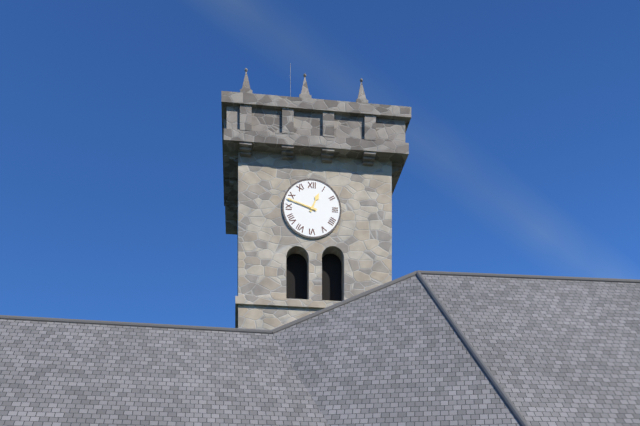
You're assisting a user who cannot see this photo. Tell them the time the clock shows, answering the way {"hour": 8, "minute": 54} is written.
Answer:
{"hour": 12, "minute": 48}
